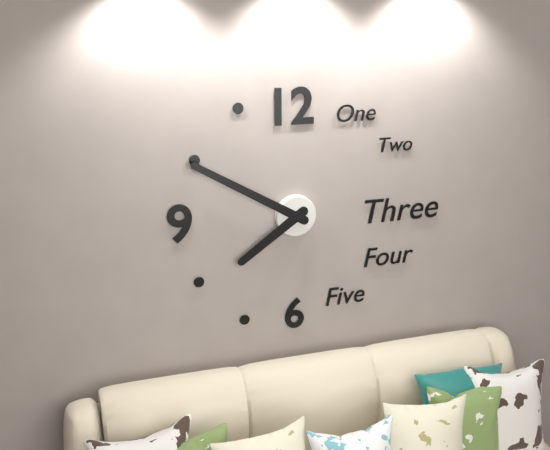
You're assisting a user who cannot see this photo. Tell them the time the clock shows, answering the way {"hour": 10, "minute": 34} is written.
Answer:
{"hour": 7, "minute": 50}
